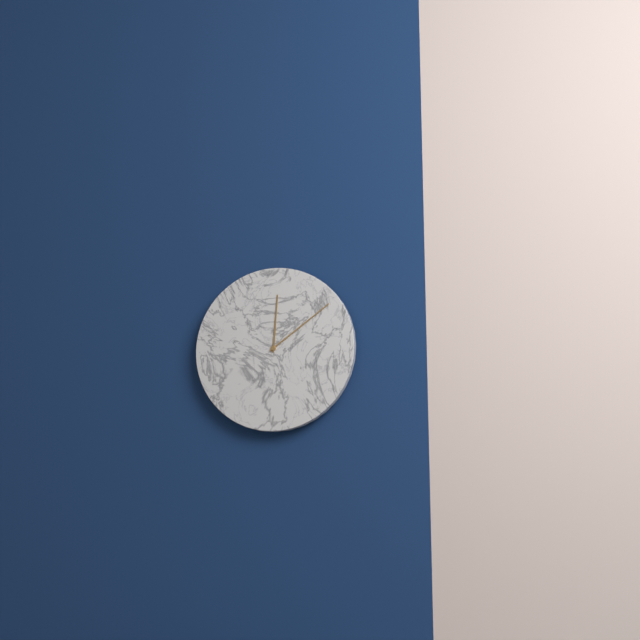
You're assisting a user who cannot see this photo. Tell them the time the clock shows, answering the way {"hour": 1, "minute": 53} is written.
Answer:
{"hour": 12, "minute": 9}
